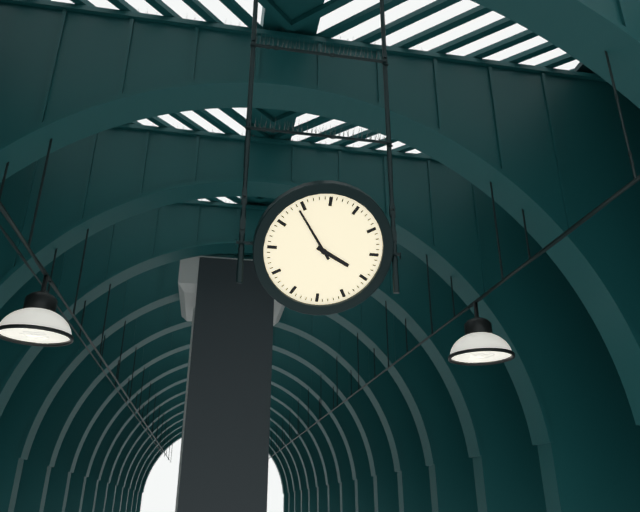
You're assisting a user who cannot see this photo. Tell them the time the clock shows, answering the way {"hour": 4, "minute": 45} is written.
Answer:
{"hour": 3, "minute": 54}
